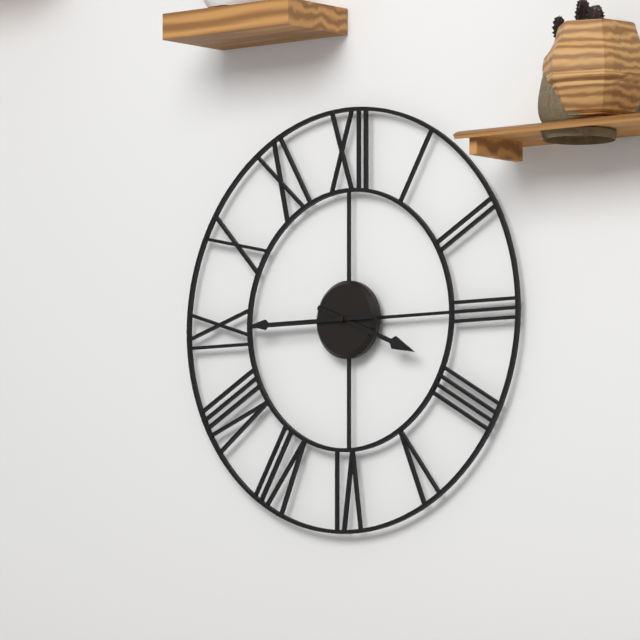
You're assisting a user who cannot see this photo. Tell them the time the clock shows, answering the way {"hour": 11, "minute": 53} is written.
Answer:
{"hour": 3, "minute": 45}
